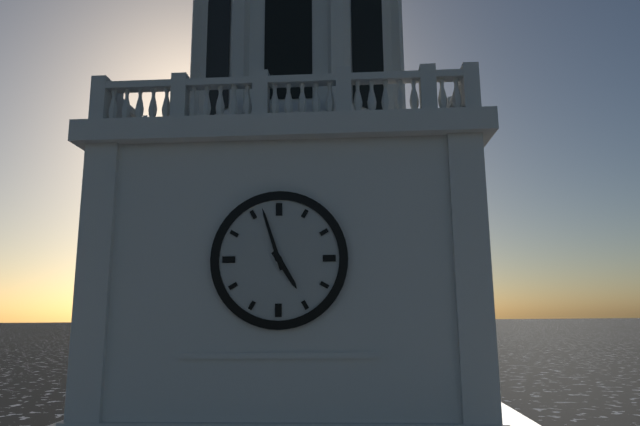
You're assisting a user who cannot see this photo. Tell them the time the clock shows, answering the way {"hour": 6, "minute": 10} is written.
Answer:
{"hour": 4, "minute": 57}
